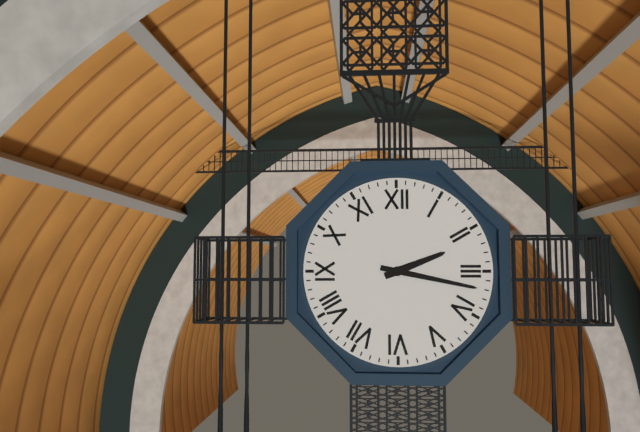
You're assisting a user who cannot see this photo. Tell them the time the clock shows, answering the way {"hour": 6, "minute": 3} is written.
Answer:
{"hour": 2, "minute": 17}
